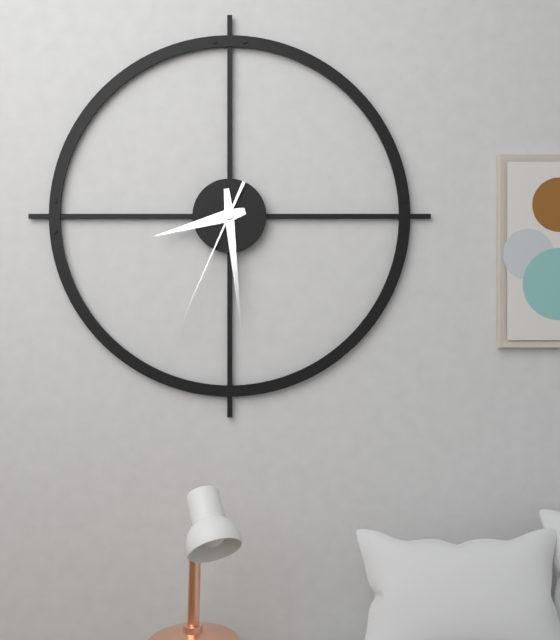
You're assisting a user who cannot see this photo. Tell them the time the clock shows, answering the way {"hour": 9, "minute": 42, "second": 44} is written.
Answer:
{"hour": 8, "minute": 29, "second": 34}
